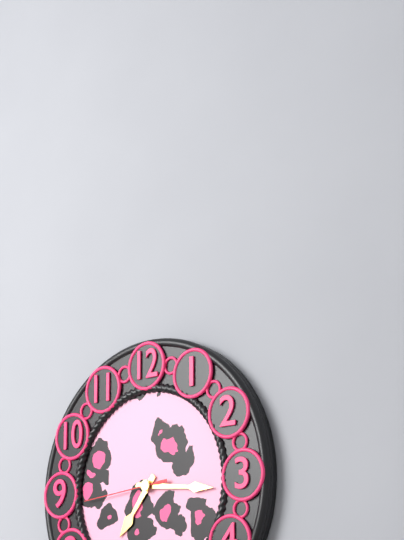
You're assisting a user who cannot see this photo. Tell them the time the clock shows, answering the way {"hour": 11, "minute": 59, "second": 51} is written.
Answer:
{"hour": 7, "minute": 16, "second": 44}
